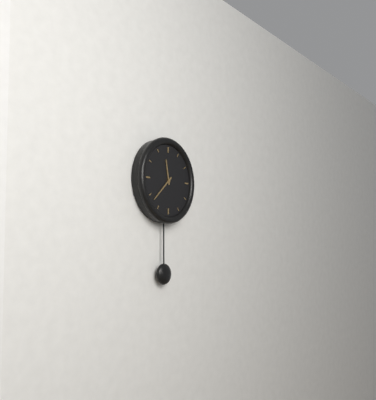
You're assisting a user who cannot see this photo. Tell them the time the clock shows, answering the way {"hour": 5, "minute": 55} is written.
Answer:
{"hour": 11, "minute": 38}
